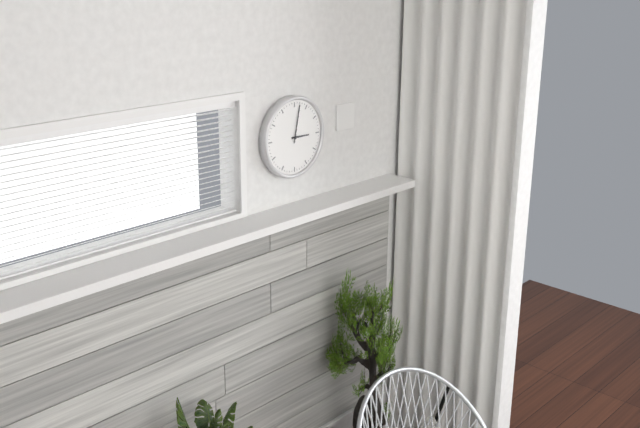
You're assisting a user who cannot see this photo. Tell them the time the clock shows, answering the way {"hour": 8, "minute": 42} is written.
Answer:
{"hour": 3, "minute": 2}
